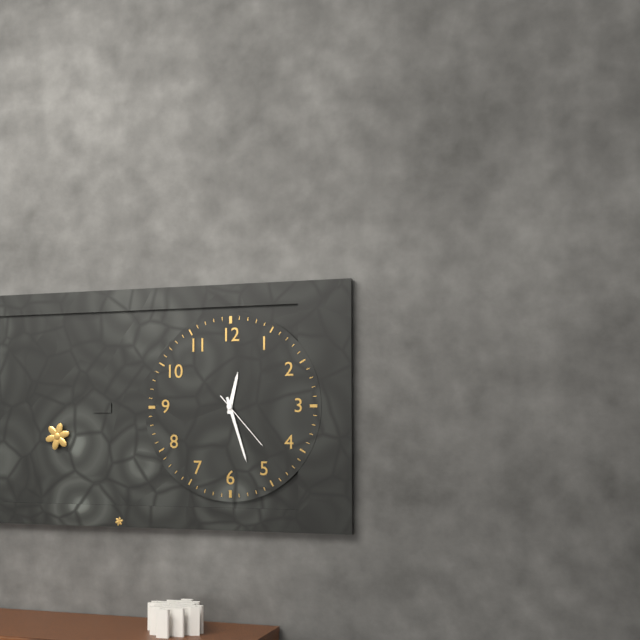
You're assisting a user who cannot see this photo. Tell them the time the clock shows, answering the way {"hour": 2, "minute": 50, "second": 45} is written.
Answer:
{"hour": 12, "minute": 27, "second": 23}
